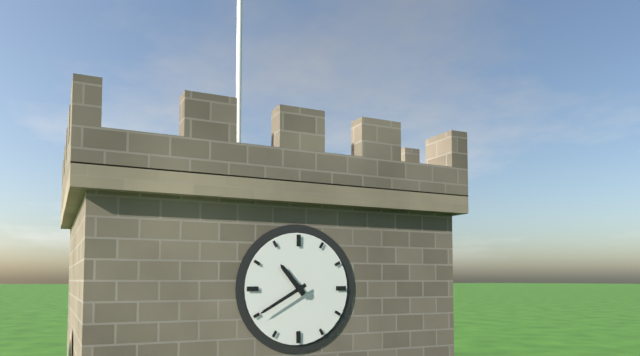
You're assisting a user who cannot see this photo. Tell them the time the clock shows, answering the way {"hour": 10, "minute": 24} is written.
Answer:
{"hour": 10, "minute": 40}
